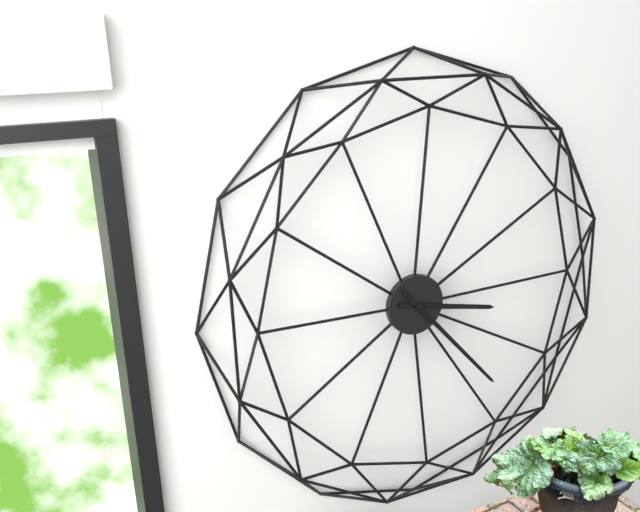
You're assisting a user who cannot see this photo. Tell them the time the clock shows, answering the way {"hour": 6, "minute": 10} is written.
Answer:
{"hour": 3, "minute": 23}
